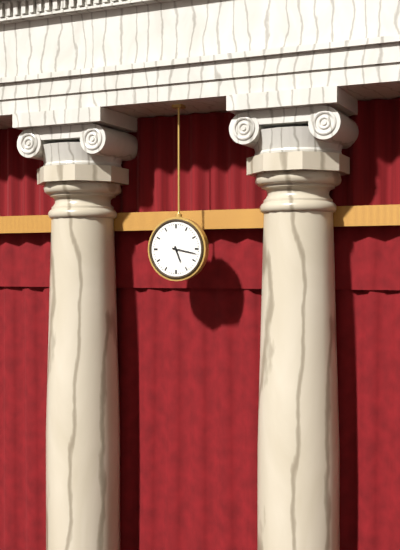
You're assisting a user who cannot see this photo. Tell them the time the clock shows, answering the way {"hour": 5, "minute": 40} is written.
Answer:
{"hour": 5, "minute": 17}
